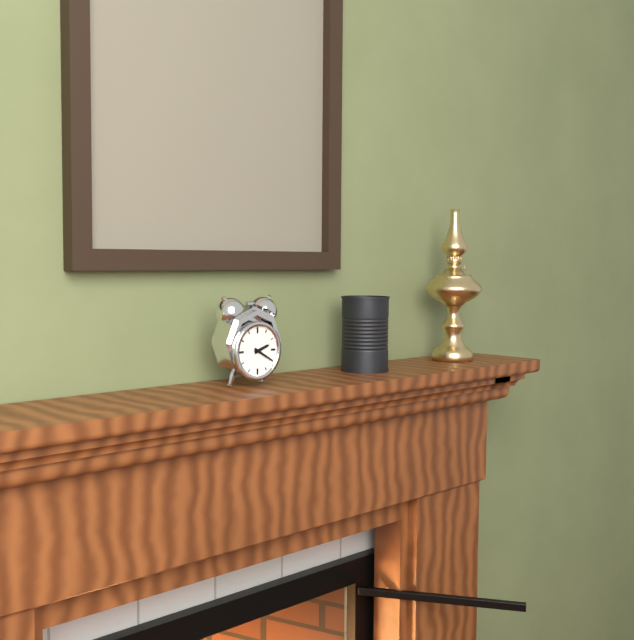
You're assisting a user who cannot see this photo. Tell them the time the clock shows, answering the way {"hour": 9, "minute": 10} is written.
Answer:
{"hour": 2, "minute": 20}
